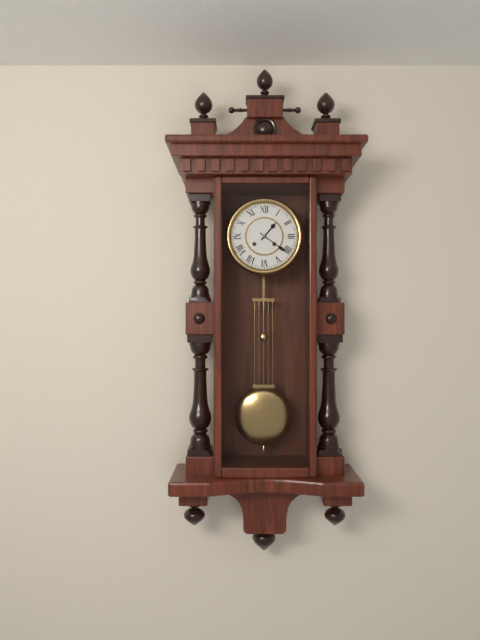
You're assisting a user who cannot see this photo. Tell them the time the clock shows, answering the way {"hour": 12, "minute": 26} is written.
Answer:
{"hour": 1, "minute": 21}
